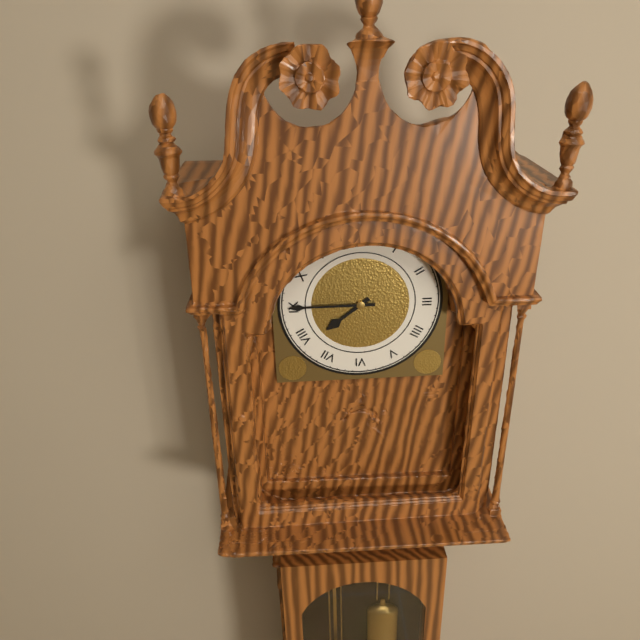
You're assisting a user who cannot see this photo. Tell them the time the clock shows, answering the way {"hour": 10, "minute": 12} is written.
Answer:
{"hour": 7, "minute": 45}
